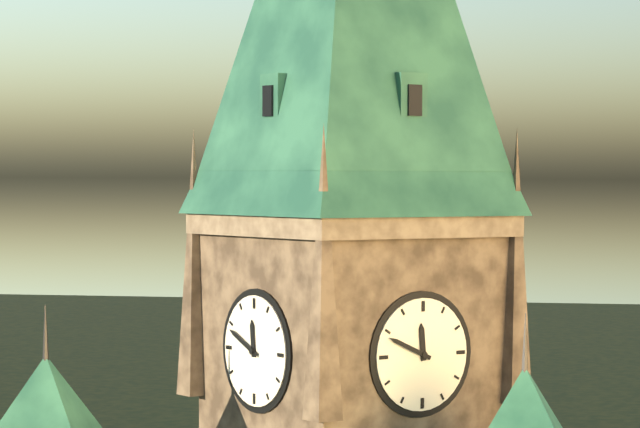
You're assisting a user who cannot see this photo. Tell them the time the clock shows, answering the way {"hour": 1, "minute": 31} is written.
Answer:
{"hour": 11, "minute": 49}
